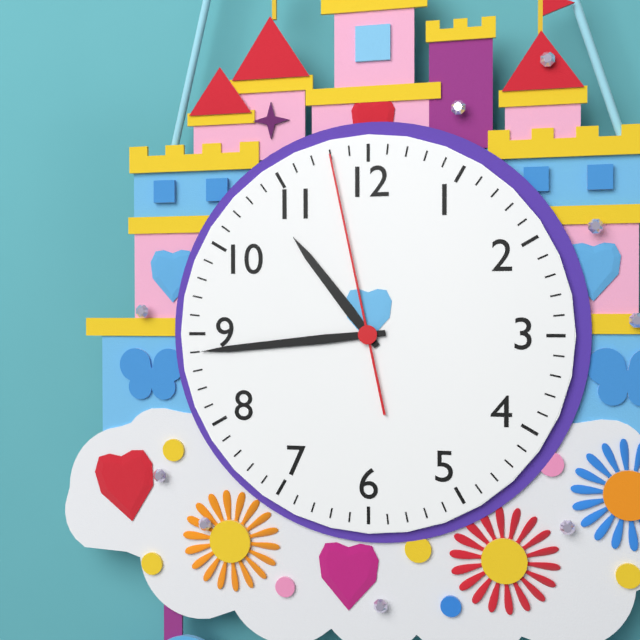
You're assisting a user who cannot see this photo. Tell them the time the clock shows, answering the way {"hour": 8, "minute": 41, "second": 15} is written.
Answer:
{"hour": 10, "minute": 44, "second": 58}
